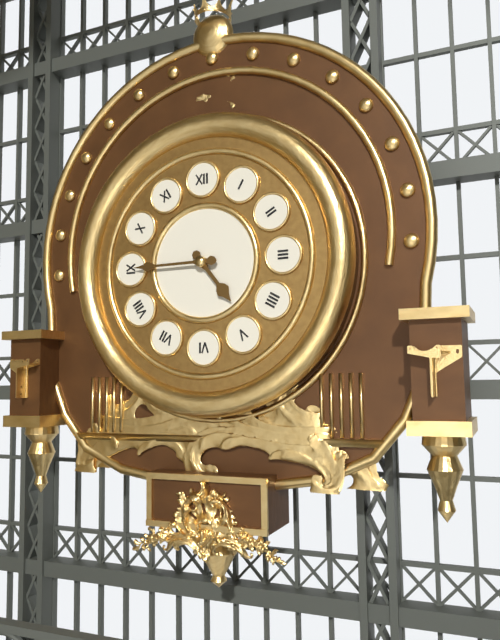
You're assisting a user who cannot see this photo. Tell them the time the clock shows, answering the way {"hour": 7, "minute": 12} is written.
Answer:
{"hour": 4, "minute": 45}
